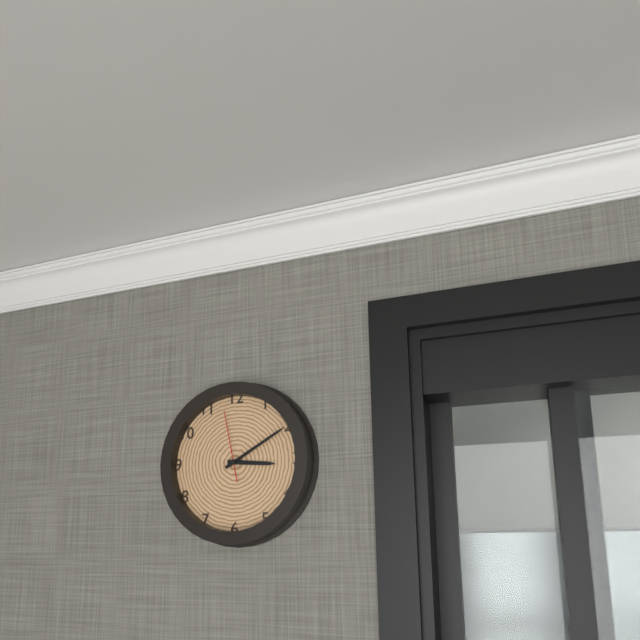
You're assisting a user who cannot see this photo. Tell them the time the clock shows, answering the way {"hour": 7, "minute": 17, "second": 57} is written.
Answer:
{"hour": 3, "minute": 10, "second": 58}
